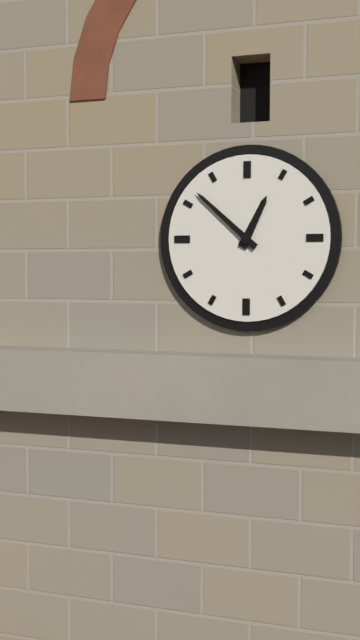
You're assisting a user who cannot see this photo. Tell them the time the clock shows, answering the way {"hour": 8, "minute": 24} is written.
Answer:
{"hour": 12, "minute": 52}
